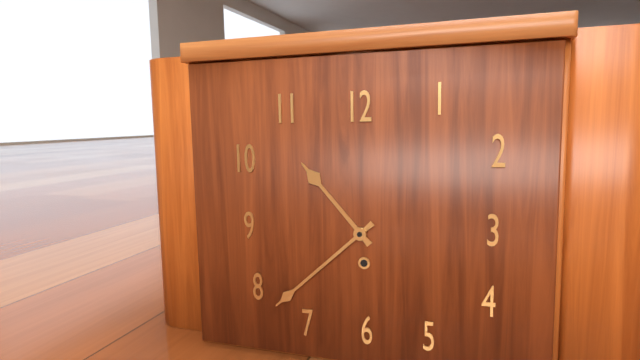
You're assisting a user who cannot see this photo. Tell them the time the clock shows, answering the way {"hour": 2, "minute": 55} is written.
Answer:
{"hour": 10, "minute": 38}
